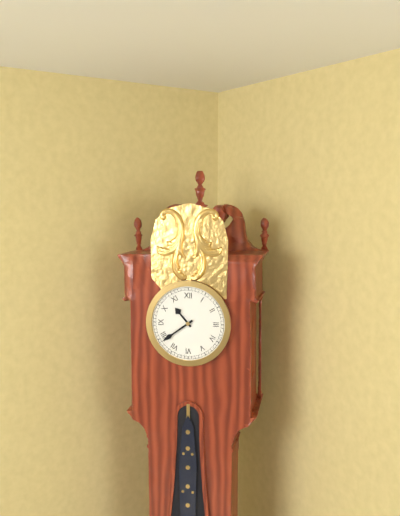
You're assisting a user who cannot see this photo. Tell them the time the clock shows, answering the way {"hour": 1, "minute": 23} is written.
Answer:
{"hour": 10, "minute": 39}
